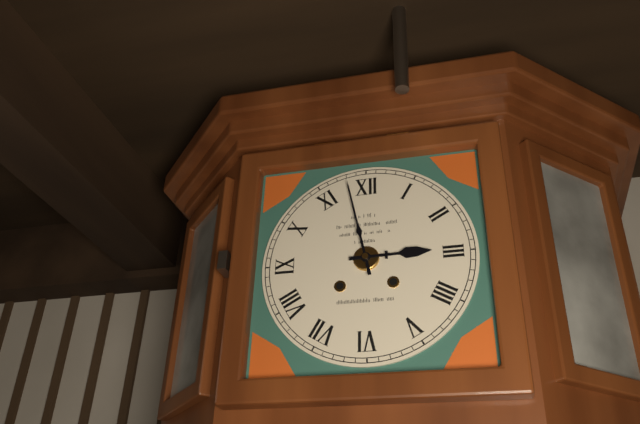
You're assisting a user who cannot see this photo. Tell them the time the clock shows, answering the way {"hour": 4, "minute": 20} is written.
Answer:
{"hour": 2, "minute": 58}
